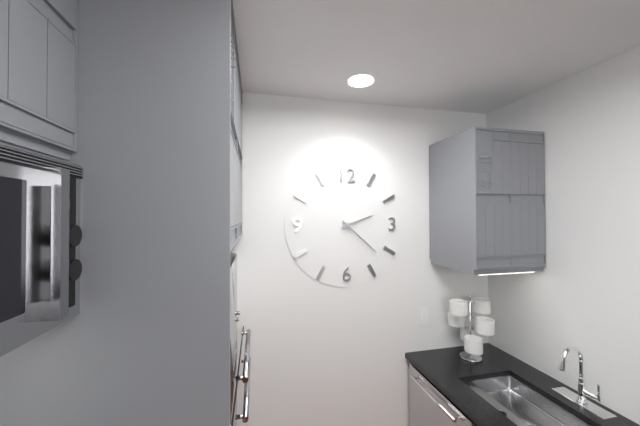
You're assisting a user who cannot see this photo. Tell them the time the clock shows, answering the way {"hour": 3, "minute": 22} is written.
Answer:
{"hour": 2, "minute": 22}
